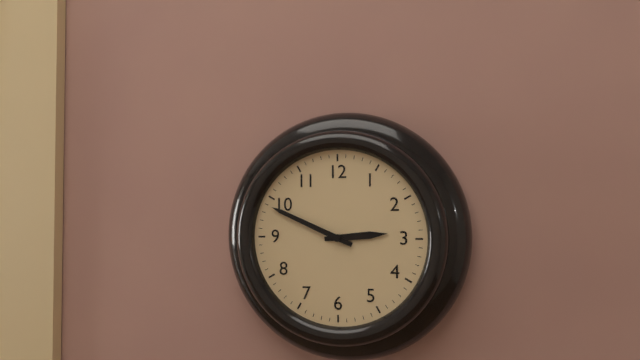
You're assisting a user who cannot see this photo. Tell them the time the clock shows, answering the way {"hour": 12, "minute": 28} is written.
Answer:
{"hour": 2, "minute": 49}
